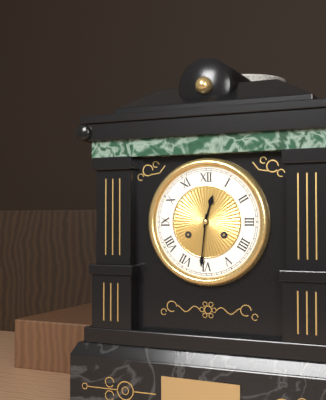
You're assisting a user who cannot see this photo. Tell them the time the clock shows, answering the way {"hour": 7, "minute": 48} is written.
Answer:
{"hour": 12, "minute": 31}
